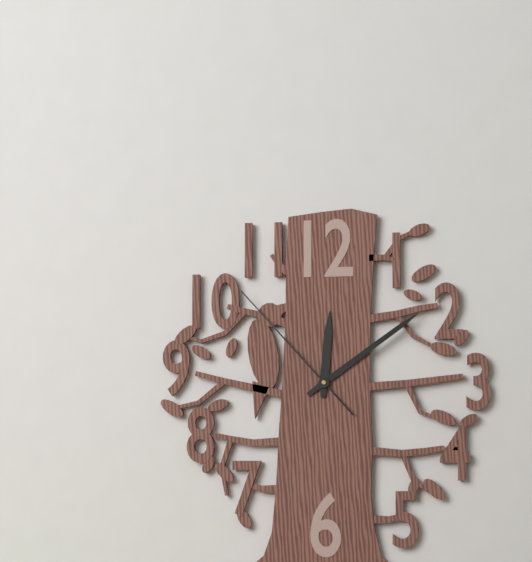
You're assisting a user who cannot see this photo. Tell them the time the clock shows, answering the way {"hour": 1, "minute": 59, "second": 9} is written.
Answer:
{"hour": 12, "minute": 9, "second": 53}
